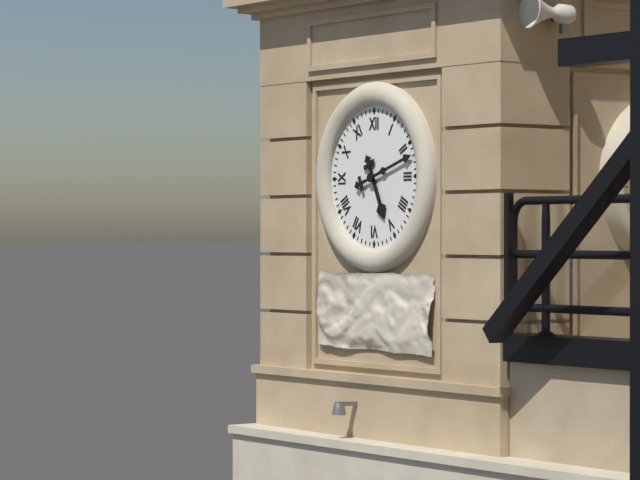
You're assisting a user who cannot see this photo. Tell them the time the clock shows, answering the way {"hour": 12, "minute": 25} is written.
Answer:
{"hour": 5, "minute": 12}
